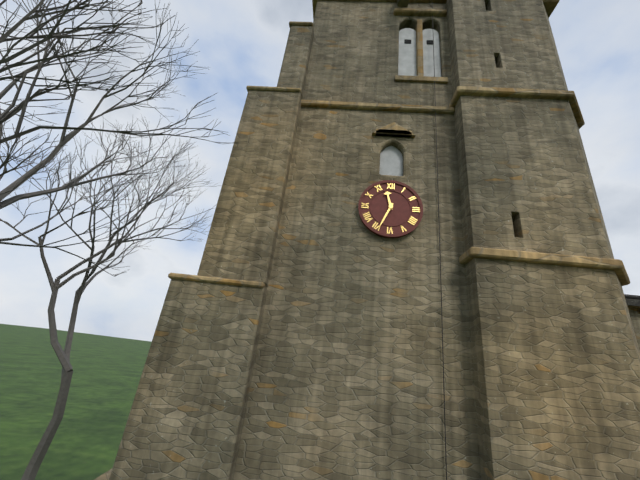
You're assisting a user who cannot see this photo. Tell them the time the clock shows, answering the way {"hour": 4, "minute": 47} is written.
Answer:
{"hour": 11, "minute": 34}
